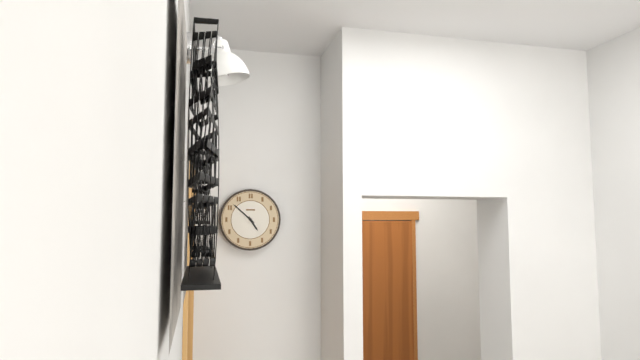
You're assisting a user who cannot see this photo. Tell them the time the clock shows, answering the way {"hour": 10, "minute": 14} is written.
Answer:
{"hour": 4, "minute": 52}
